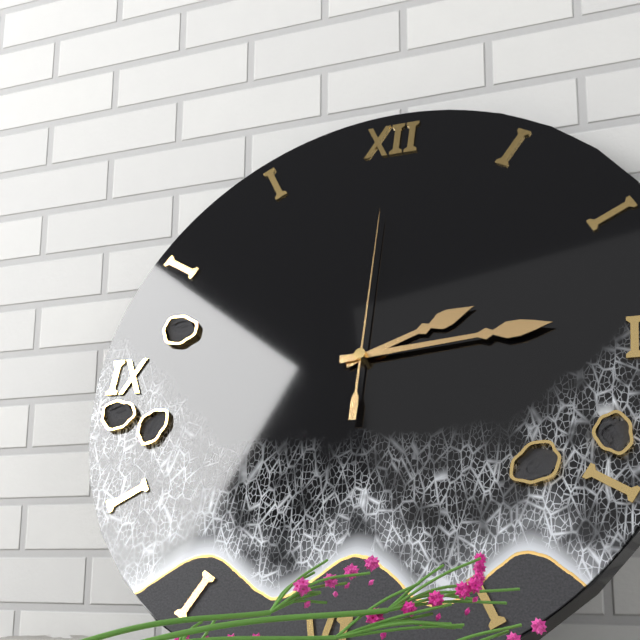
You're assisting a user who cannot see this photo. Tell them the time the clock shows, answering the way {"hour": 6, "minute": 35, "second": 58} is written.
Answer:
{"hour": 2, "minute": 14, "second": 0}
